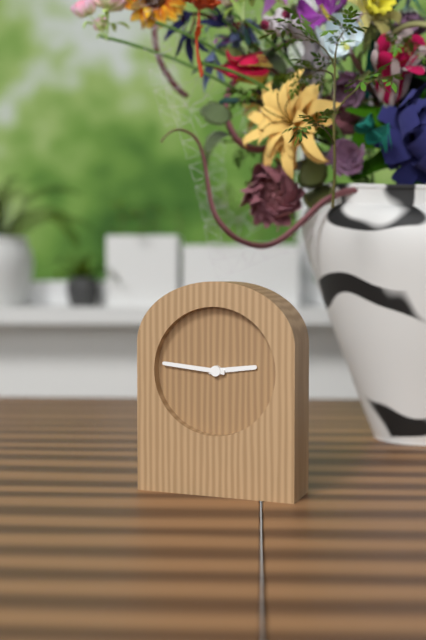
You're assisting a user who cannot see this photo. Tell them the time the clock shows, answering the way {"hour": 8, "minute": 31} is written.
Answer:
{"hour": 2, "minute": 46}
